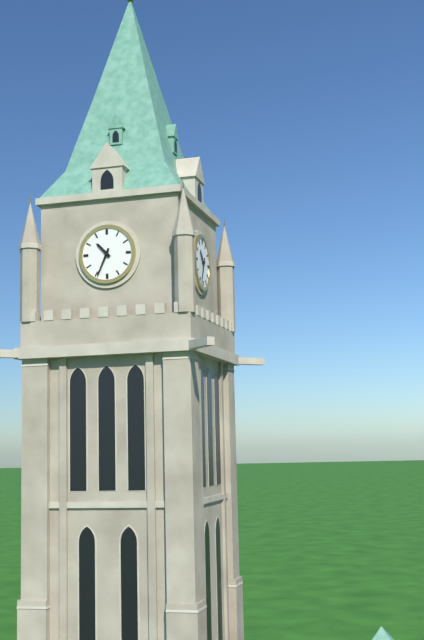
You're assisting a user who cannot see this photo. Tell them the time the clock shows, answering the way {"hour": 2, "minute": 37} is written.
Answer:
{"hour": 10, "minute": 34}
